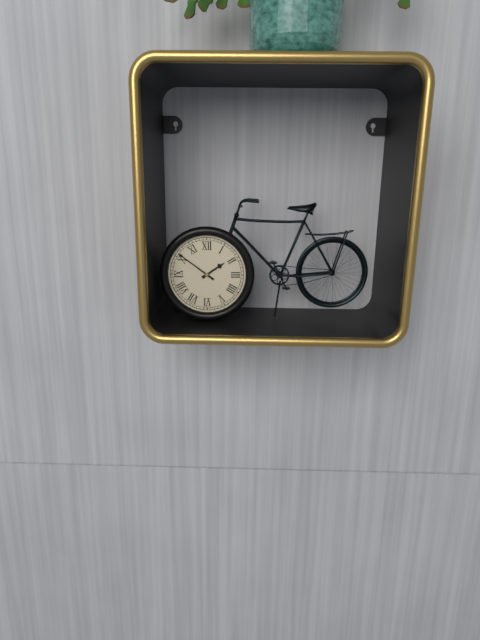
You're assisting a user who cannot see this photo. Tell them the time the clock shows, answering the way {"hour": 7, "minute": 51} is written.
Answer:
{"hour": 1, "minute": 51}
